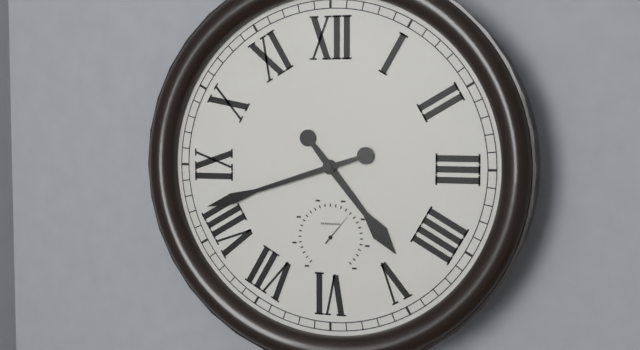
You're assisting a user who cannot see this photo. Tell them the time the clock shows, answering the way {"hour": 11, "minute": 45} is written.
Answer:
{"hour": 4, "minute": 42}
